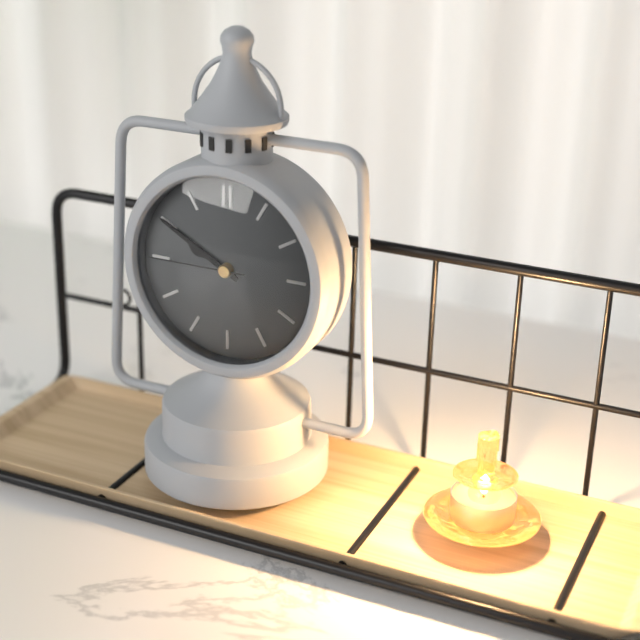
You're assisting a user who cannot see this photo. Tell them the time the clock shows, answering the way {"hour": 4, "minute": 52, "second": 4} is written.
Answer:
{"hour": 9, "minute": 50, "second": 45}
